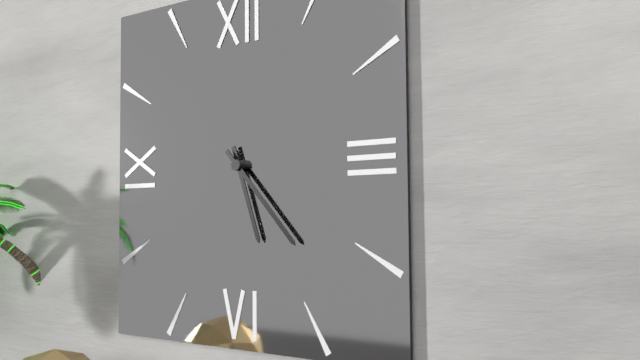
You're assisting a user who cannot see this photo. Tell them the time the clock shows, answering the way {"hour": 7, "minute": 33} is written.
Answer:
{"hour": 5, "minute": 23}
